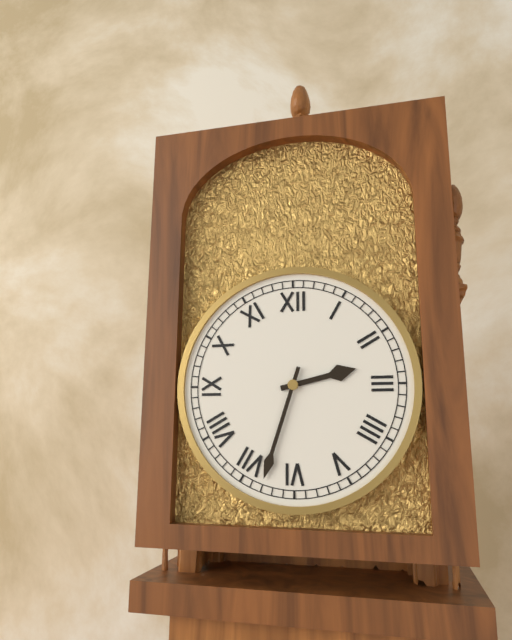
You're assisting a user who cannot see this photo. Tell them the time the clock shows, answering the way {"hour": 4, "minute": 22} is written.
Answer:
{"hour": 2, "minute": 33}
